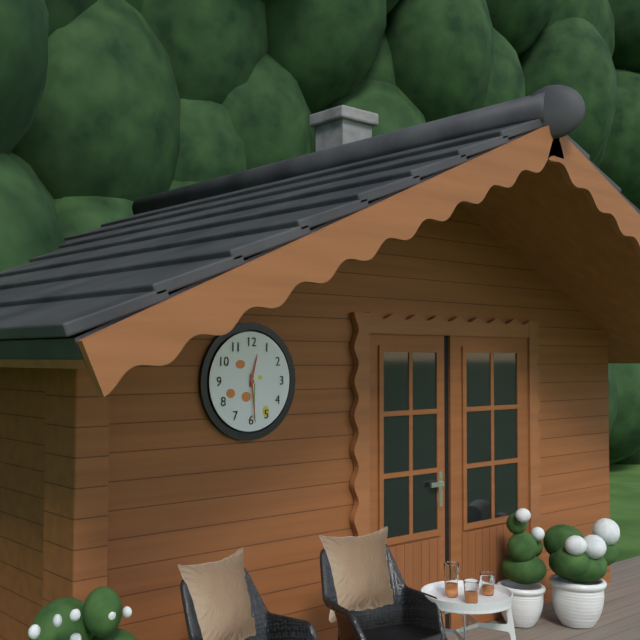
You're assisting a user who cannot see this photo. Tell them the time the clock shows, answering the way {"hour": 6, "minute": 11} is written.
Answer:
{"hour": 12, "minute": 29}
